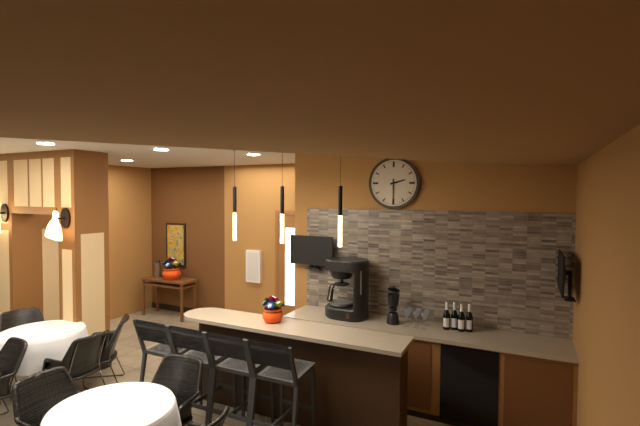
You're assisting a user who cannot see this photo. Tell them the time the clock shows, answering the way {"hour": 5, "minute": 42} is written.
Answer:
{"hour": 2, "minute": 30}
